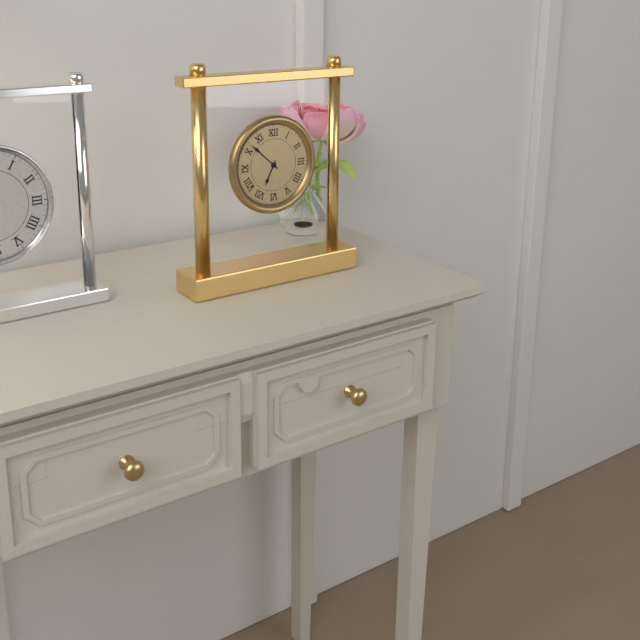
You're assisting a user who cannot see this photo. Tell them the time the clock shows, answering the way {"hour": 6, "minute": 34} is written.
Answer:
{"hour": 6, "minute": 52}
